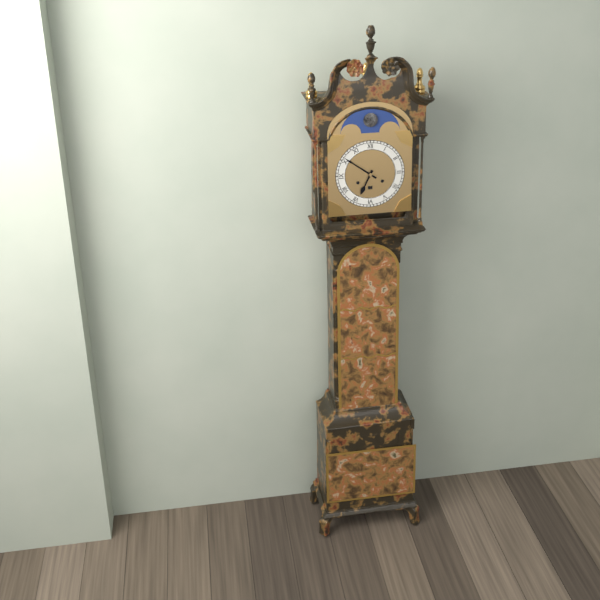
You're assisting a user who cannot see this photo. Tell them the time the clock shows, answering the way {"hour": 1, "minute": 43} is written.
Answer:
{"hour": 6, "minute": 51}
